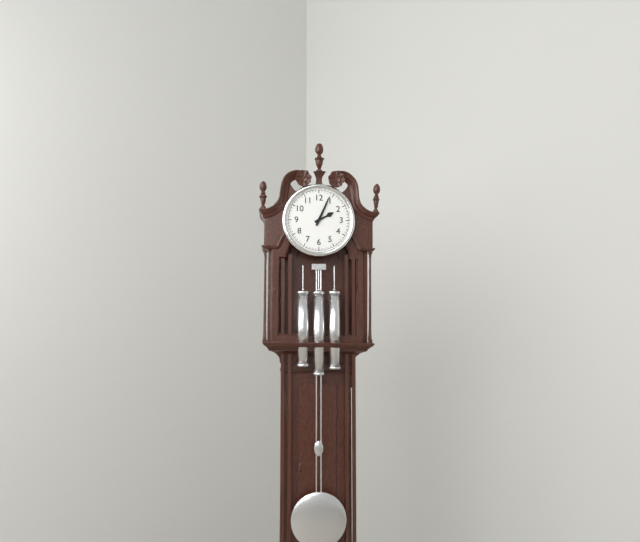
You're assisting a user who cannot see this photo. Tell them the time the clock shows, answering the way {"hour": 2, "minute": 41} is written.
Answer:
{"hour": 2, "minute": 4}
